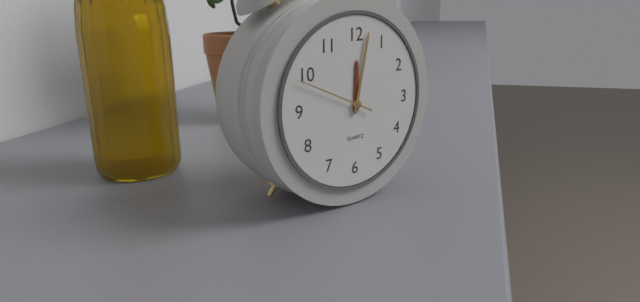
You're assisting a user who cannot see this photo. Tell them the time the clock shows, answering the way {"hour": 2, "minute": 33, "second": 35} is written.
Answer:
{"hour": 12, "minute": 2, "second": 49}
